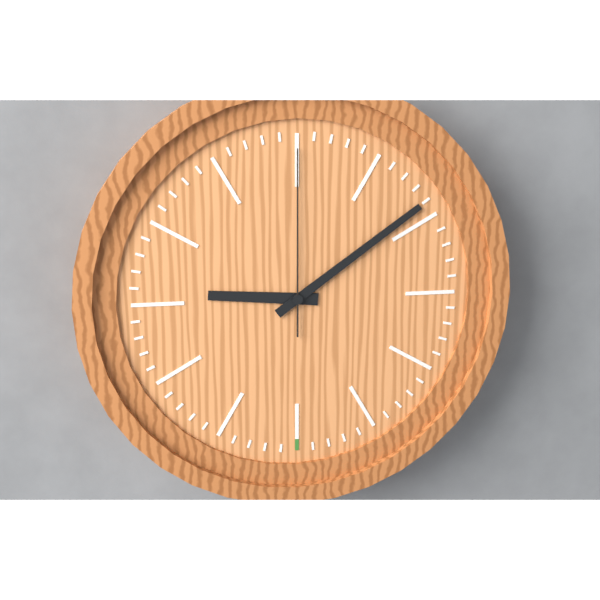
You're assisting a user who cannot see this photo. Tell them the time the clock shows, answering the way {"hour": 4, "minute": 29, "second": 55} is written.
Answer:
{"hour": 9, "minute": 9, "second": 0}
